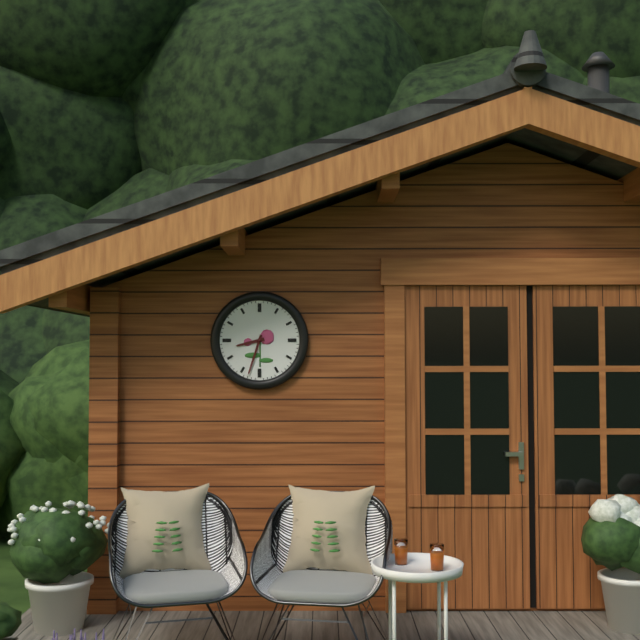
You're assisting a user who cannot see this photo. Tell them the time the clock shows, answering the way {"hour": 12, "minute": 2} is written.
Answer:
{"hour": 8, "minute": 33}
